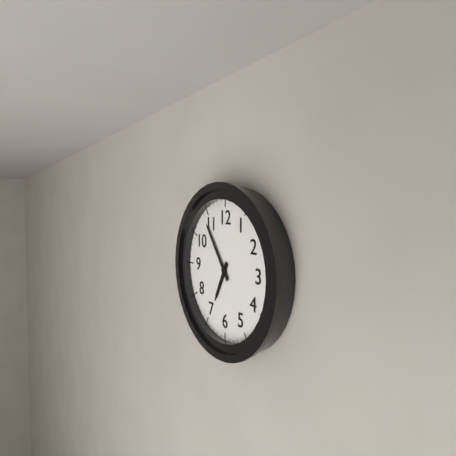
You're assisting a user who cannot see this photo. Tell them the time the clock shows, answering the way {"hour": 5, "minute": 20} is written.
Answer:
{"hour": 6, "minute": 54}
